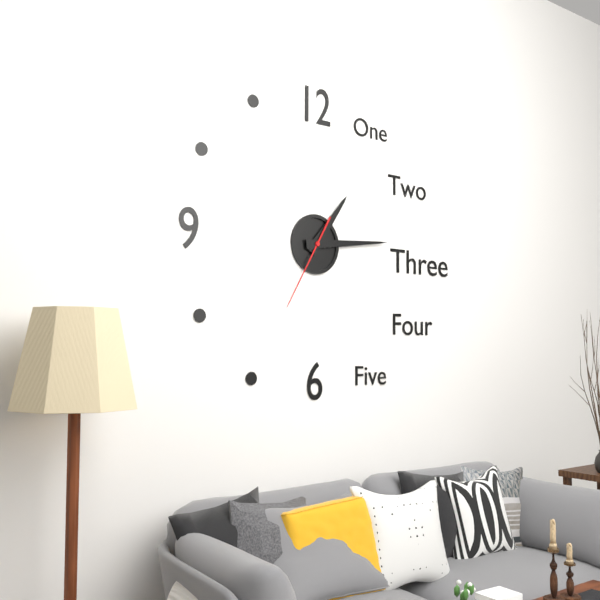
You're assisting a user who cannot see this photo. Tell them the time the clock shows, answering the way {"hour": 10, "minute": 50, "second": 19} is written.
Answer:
{"hour": 1, "minute": 14, "second": 35}
